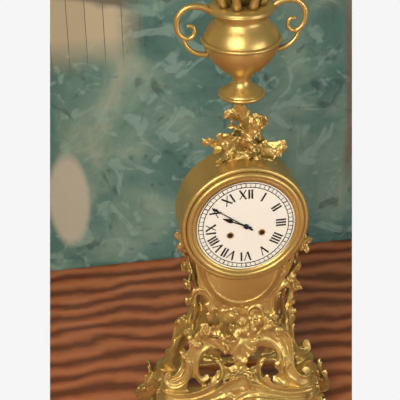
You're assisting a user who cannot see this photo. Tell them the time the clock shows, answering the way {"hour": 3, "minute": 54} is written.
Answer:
{"hour": 9, "minute": 51}
